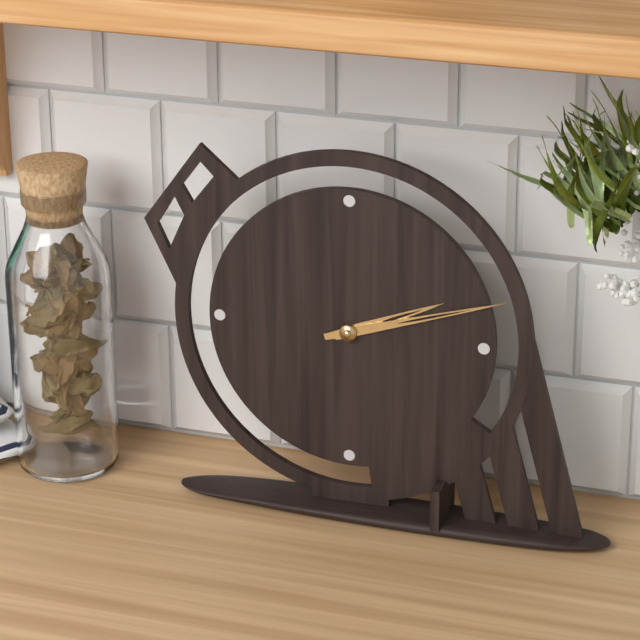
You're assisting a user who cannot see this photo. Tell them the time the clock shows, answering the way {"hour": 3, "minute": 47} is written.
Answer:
{"hour": 2, "minute": 12}
